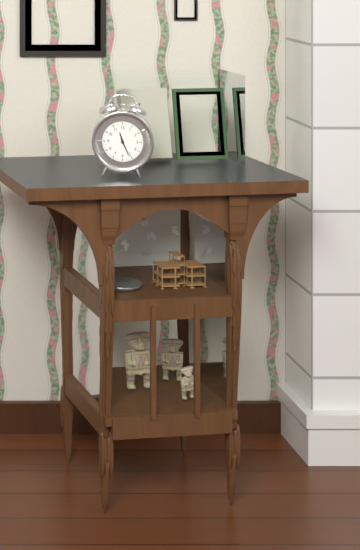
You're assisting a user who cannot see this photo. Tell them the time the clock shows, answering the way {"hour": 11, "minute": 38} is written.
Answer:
{"hour": 11, "minute": 26}
